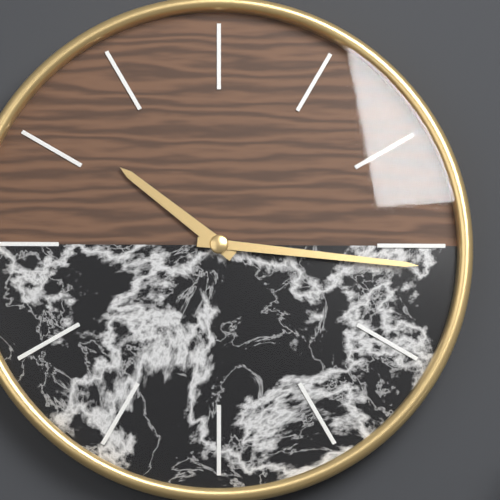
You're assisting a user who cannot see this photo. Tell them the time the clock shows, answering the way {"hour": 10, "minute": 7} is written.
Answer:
{"hour": 10, "minute": 16}
